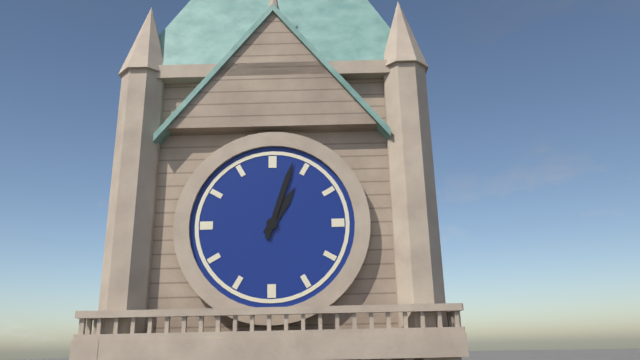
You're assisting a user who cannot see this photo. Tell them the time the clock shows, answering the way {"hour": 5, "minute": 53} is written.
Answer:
{"hour": 1, "minute": 3}
